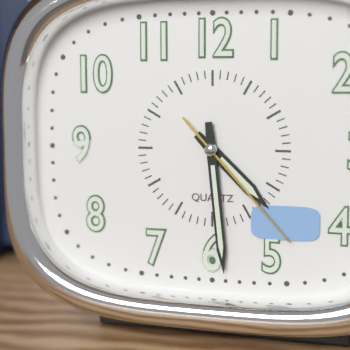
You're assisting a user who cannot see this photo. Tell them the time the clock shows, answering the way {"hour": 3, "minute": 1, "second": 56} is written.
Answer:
{"hour": 4, "minute": 29, "second": 23}
